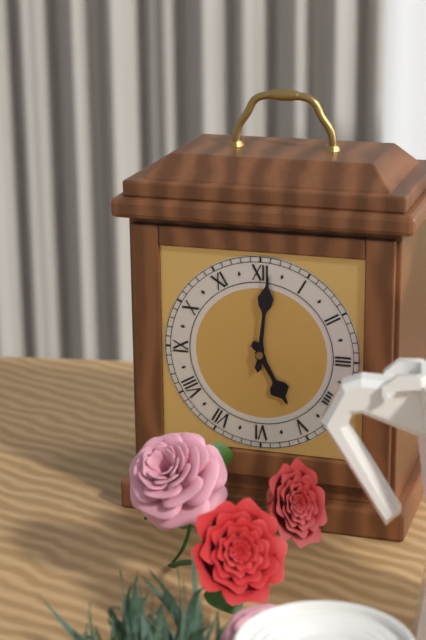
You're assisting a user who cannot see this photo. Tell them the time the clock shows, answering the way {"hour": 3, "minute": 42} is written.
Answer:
{"hour": 5, "minute": 1}
